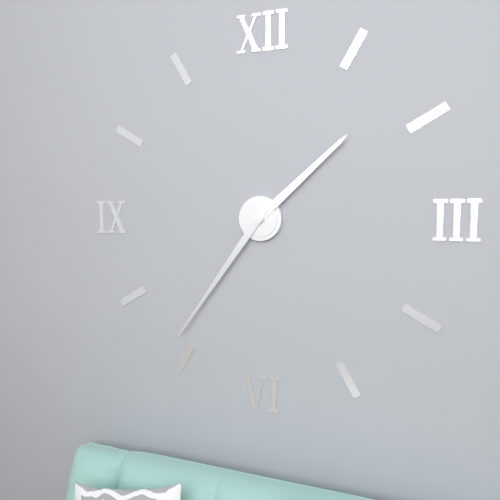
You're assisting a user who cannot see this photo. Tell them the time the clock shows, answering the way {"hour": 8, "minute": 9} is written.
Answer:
{"hour": 1, "minute": 36}
